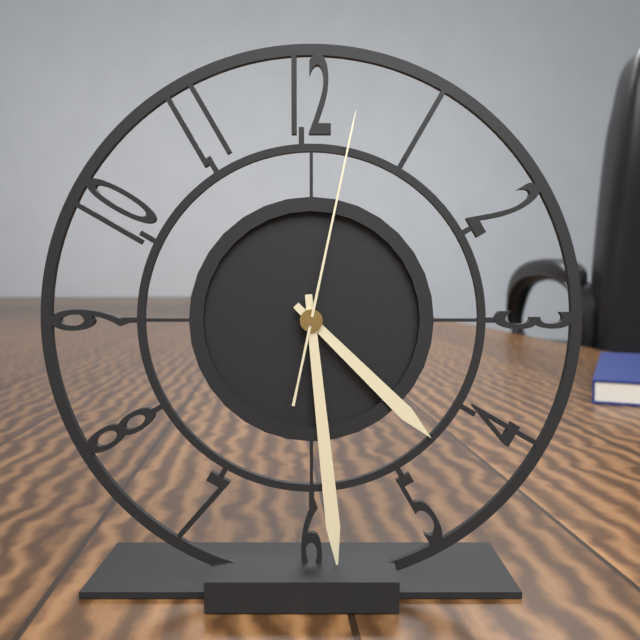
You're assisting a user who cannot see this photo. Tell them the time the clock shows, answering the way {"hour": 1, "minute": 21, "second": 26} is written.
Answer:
{"hour": 4, "minute": 29, "second": 2}
